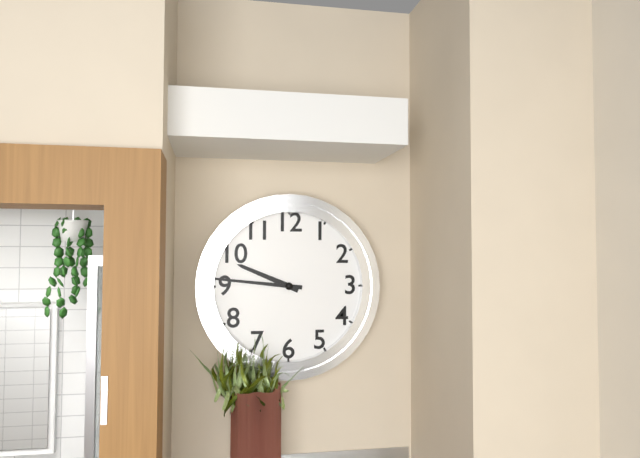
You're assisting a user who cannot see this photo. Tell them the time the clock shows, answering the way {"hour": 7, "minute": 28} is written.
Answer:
{"hour": 9, "minute": 46}
